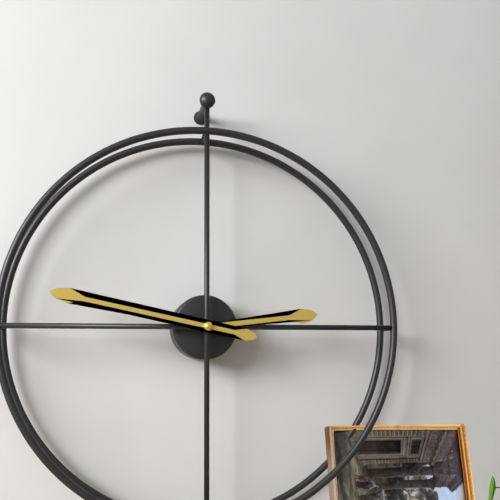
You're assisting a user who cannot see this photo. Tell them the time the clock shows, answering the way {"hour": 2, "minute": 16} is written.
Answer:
{"hour": 2, "minute": 47}
